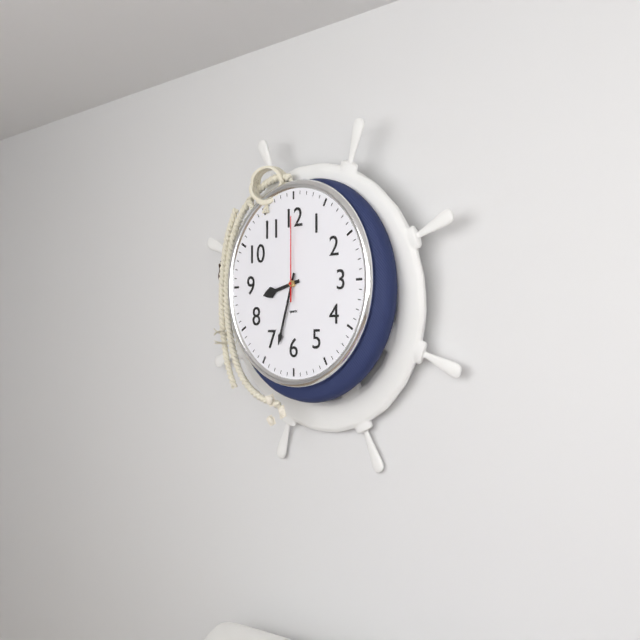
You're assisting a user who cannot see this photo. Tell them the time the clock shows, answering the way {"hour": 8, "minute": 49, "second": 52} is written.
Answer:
{"hour": 8, "minute": 33, "second": 0}
